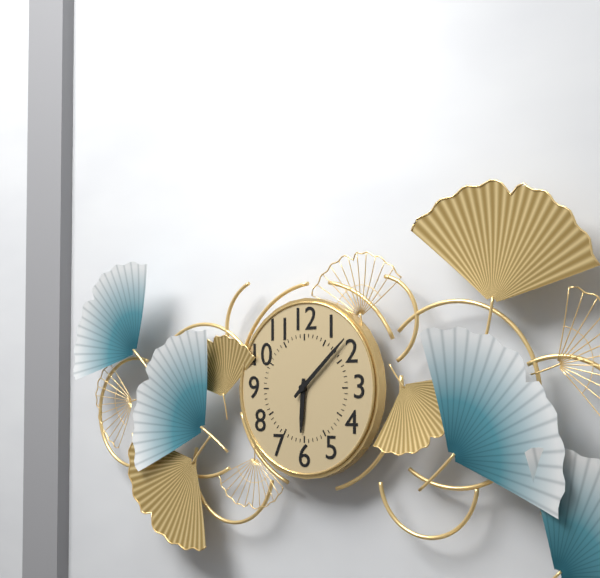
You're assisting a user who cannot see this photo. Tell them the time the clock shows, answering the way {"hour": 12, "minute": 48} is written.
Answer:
{"hour": 6, "minute": 8}
